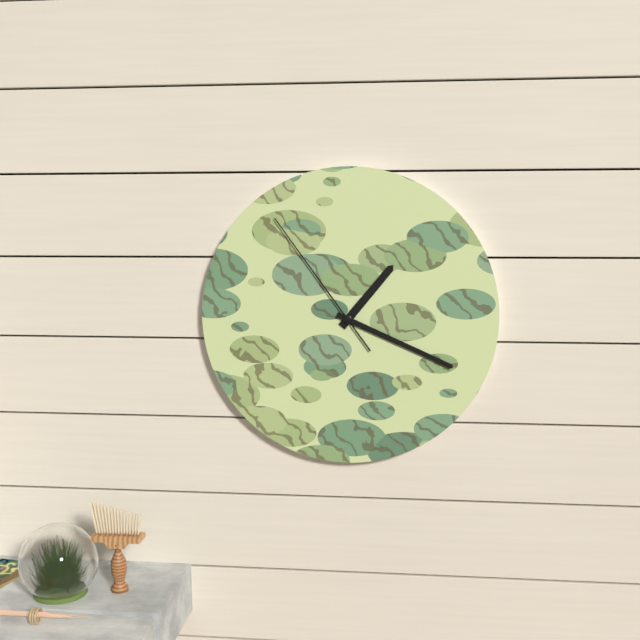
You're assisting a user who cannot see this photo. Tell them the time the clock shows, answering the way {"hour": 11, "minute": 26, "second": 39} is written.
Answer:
{"hour": 1, "minute": 19, "second": 54}
